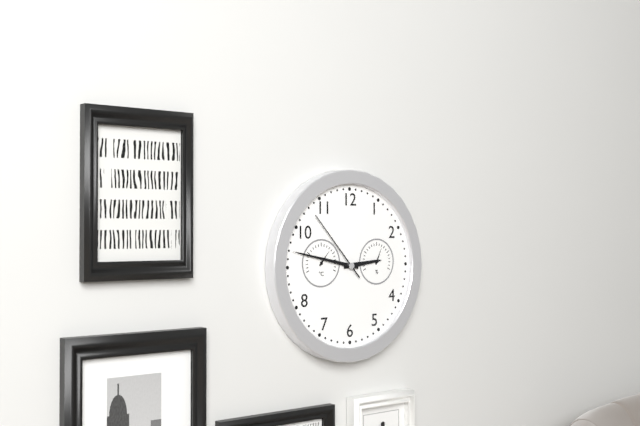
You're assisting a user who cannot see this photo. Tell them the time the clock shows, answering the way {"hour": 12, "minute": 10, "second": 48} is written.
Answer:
{"hour": 2, "minute": 47, "second": 53}
